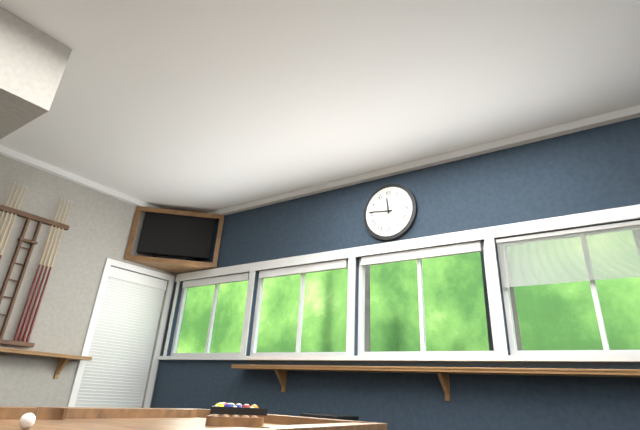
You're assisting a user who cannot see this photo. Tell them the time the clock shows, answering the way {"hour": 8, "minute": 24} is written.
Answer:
{"hour": 11, "minute": 46}
